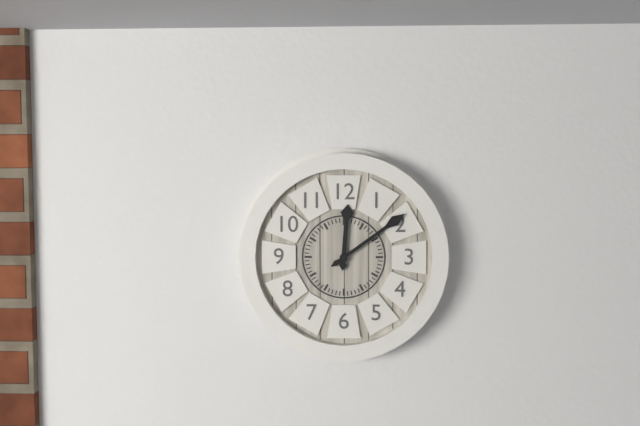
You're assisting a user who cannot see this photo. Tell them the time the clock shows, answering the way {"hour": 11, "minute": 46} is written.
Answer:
{"hour": 12, "minute": 9}
